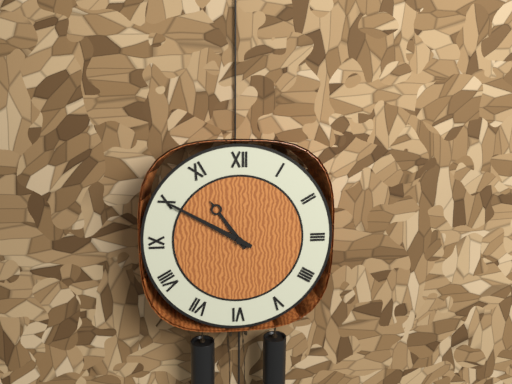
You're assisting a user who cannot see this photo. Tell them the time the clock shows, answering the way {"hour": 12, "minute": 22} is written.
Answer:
{"hour": 10, "minute": 50}
